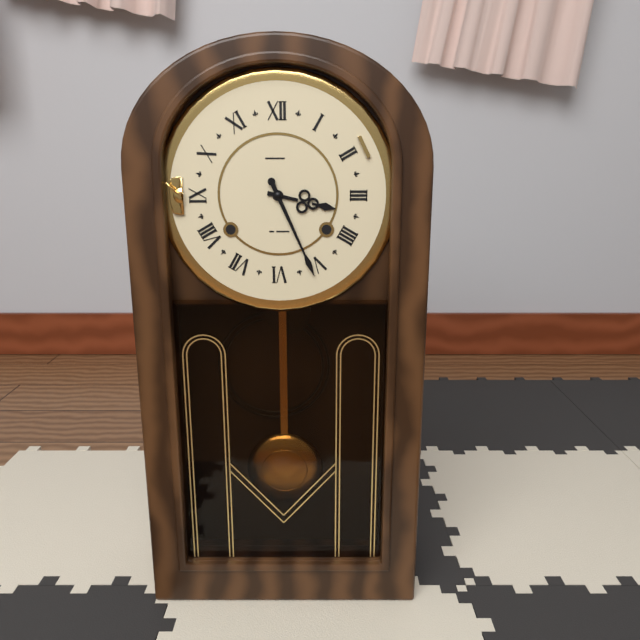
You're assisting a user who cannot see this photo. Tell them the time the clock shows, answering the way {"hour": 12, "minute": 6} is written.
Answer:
{"hour": 3, "minute": 26}
